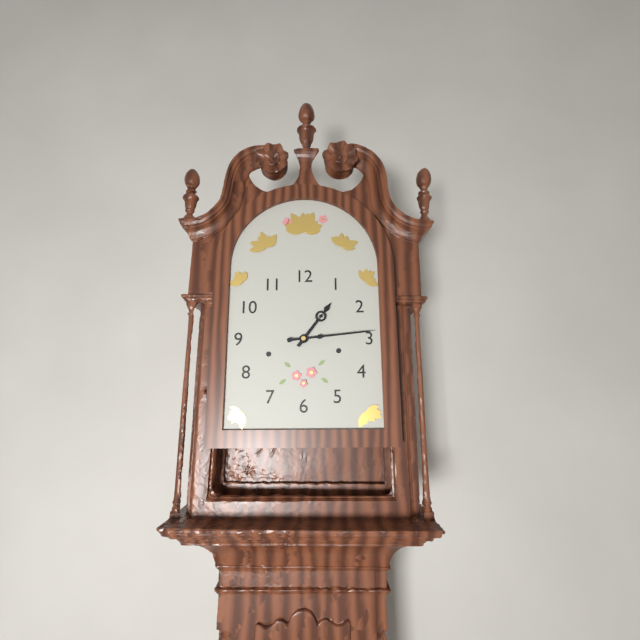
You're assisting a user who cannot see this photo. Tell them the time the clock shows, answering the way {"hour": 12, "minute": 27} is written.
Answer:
{"hour": 1, "minute": 14}
